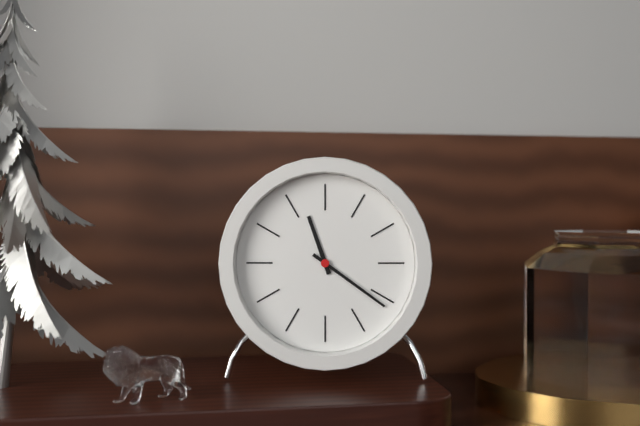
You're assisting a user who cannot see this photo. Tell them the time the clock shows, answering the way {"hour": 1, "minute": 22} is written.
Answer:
{"hour": 11, "minute": 21}
